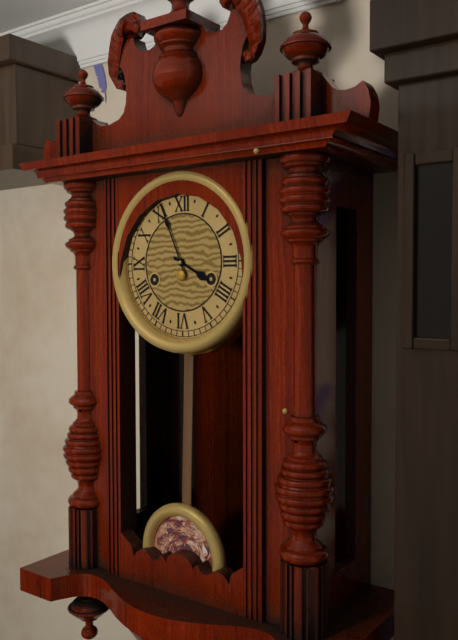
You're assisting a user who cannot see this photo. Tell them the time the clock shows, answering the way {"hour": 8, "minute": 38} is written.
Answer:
{"hour": 3, "minute": 56}
